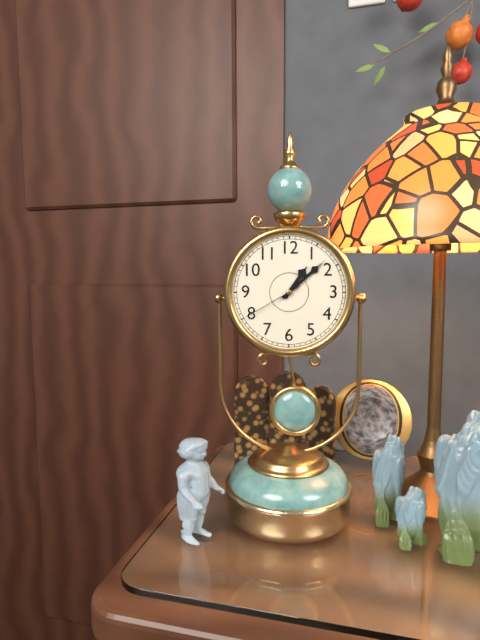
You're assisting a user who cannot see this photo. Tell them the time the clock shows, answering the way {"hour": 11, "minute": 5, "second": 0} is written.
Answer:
{"hour": 1, "minute": 8, "second": 40}
